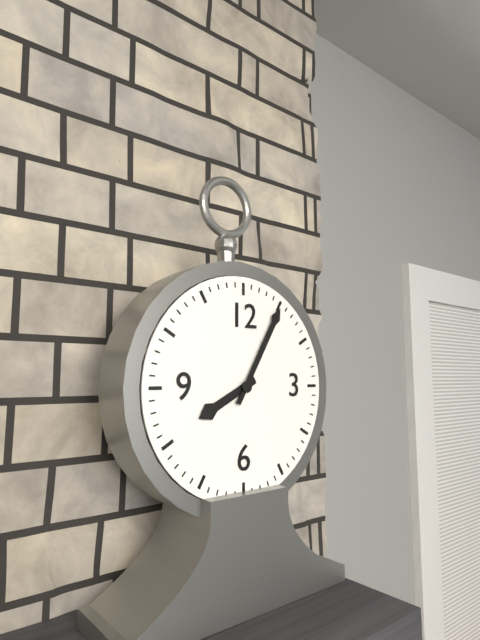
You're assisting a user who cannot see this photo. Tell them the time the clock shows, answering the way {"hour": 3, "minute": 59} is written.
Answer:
{"hour": 8, "minute": 5}
